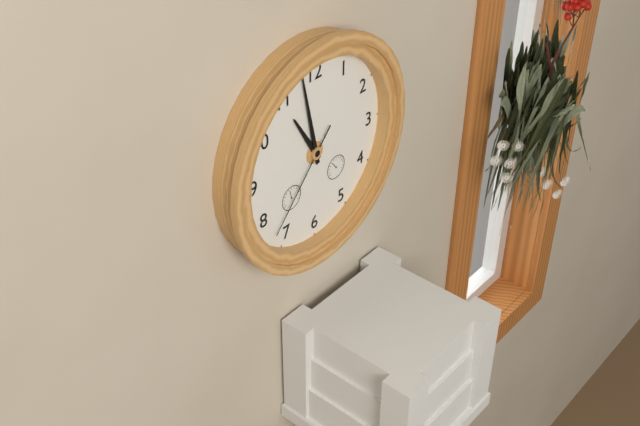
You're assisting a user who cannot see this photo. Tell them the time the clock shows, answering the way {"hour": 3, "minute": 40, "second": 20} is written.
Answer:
{"hour": 10, "minute": 58, "second": 37}
